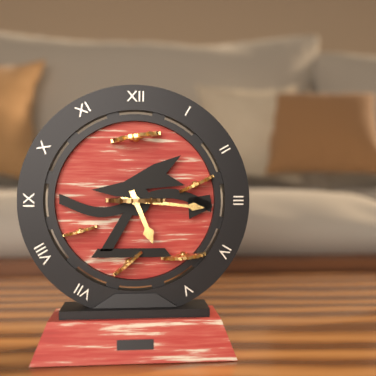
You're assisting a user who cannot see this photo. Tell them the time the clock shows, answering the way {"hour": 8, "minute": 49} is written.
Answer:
{"hour": 5, "minute": 16}
